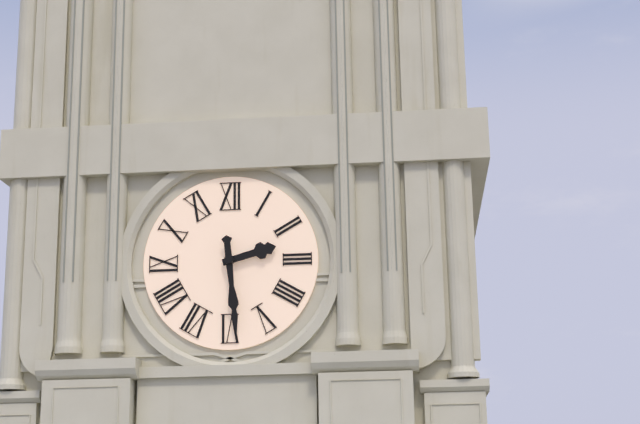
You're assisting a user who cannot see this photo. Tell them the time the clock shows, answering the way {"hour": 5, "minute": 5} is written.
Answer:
{"hour": 2, "minute": 29}
